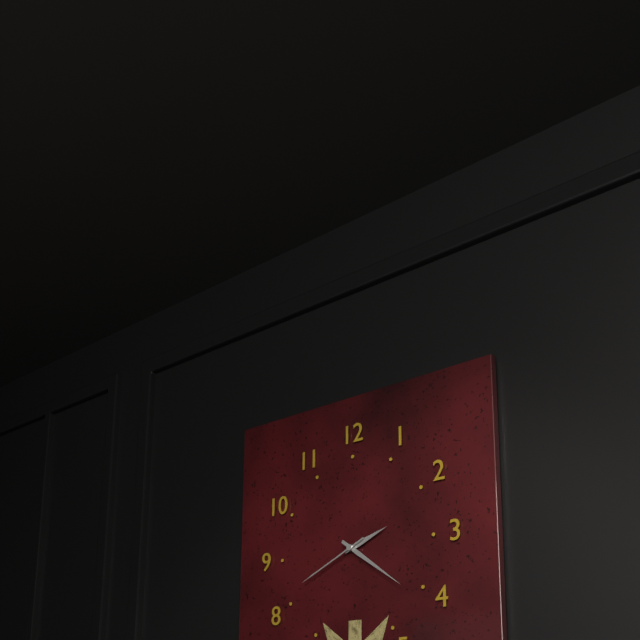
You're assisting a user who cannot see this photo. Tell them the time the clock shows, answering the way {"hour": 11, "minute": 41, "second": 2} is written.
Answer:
{"hour": 2, "minute": 21, "second": 41}
